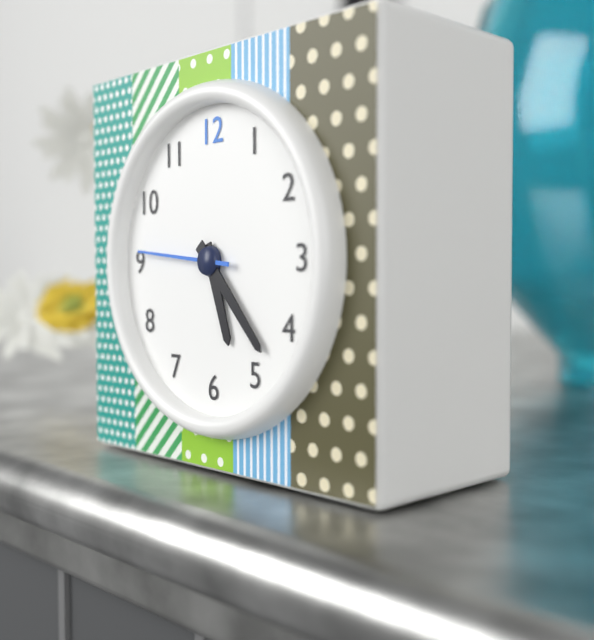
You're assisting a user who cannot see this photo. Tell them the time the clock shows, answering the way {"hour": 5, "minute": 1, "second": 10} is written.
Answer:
{"hour": 5, "minute": 23, "second": 46}
